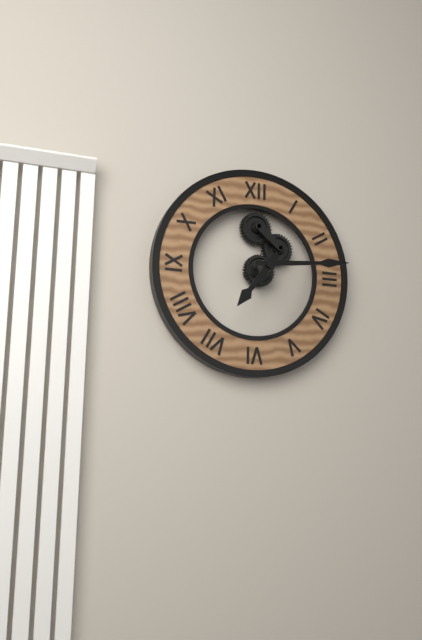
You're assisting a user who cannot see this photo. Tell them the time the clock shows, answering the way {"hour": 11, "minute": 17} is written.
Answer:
{"hour": 7, "minute": 14}
